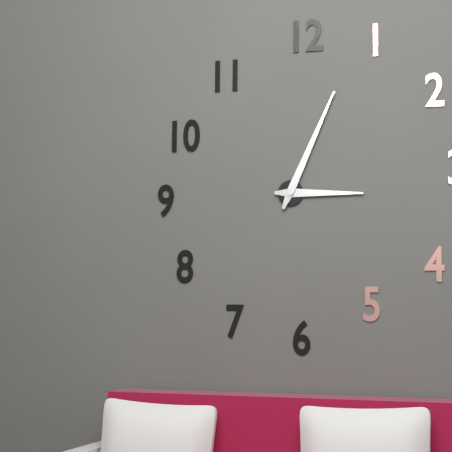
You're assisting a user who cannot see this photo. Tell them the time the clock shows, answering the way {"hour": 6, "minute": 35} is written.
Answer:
{"hour": 3, "minute": 4}
